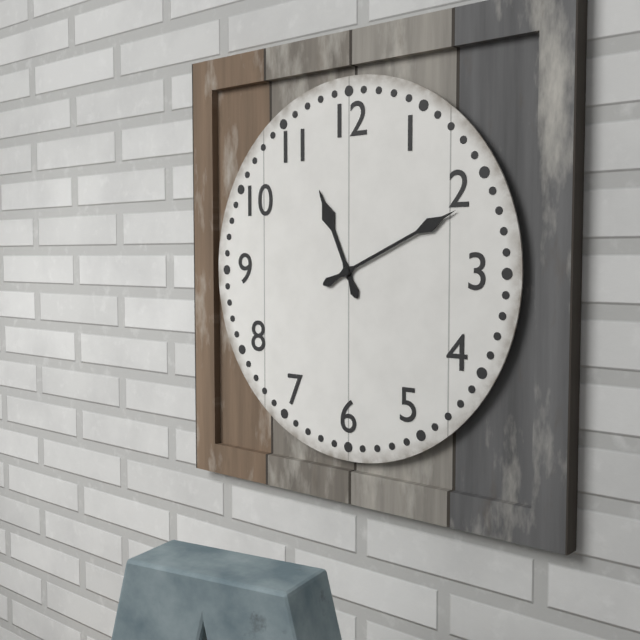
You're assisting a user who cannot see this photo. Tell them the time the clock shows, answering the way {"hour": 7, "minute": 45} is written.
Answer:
{"hour": 11, "minute": 11}
